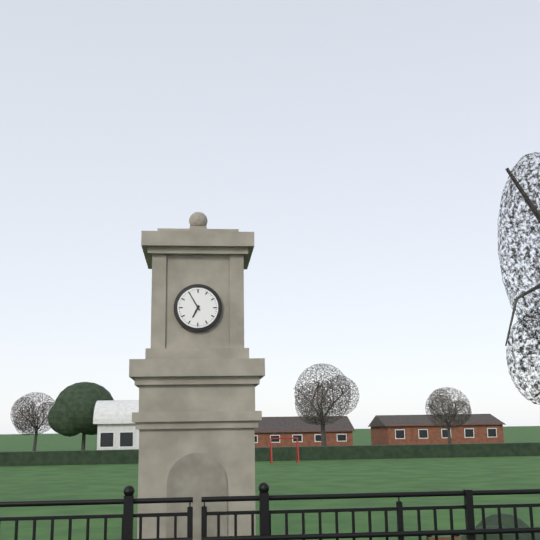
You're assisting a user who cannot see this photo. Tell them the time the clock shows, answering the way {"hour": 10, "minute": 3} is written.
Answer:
{"hour": 6, "minute": 55}
